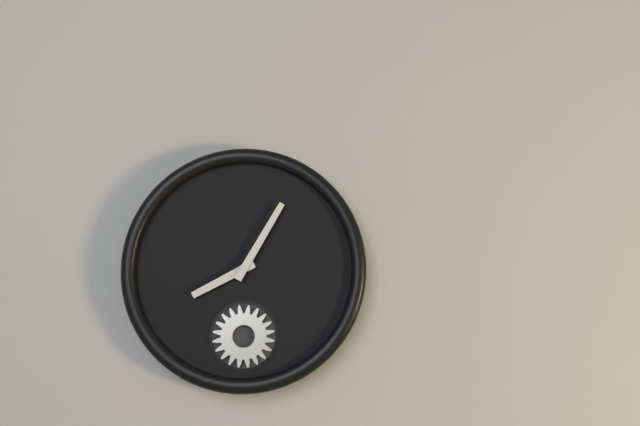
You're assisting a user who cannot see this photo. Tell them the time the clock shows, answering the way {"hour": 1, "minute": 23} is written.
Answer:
{"hour": 8, "minute": 5}
